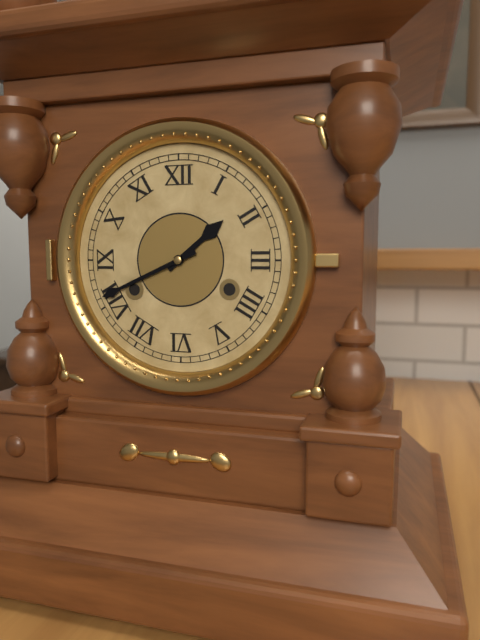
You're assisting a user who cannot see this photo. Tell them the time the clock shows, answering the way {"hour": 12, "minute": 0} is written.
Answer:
{"hour": 1, "minute": 41}
